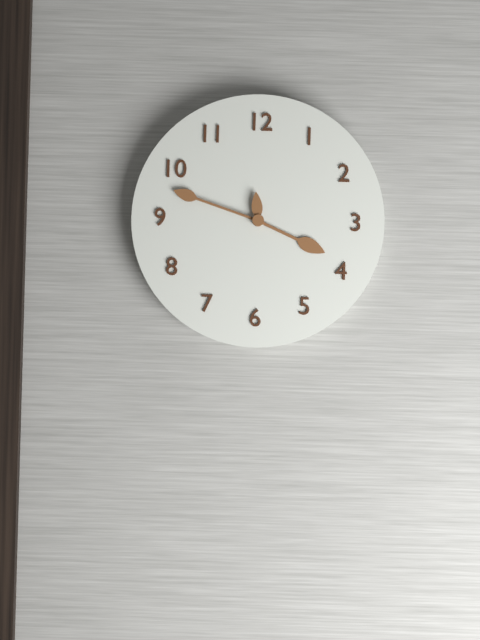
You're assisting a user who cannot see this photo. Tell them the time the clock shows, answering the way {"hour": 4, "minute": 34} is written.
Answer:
{"hour": 3, "minute": 48}
